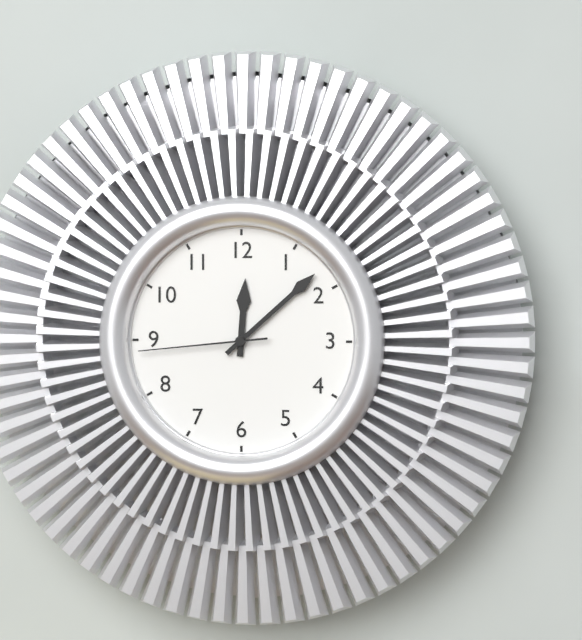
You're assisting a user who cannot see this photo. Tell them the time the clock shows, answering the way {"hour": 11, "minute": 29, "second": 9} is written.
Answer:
{"hour": 12, "minute": 8, "second": 44}
